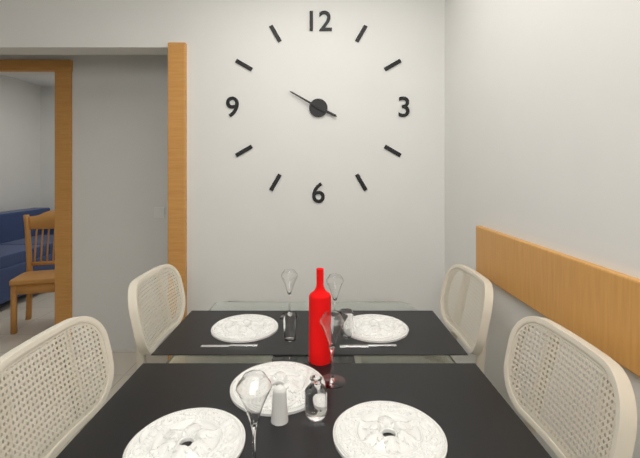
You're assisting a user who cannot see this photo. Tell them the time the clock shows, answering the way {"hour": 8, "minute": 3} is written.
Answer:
{"hour": 3, "minute": 50}
